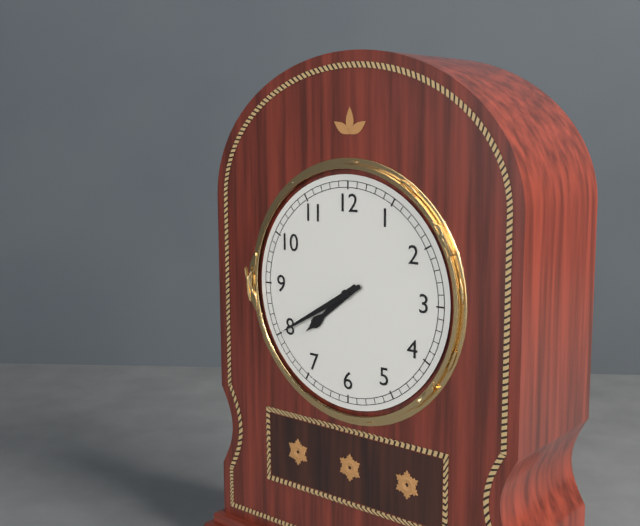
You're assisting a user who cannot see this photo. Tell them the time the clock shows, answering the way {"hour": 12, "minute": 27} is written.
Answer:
{"hour": 7, "minute": 40}
